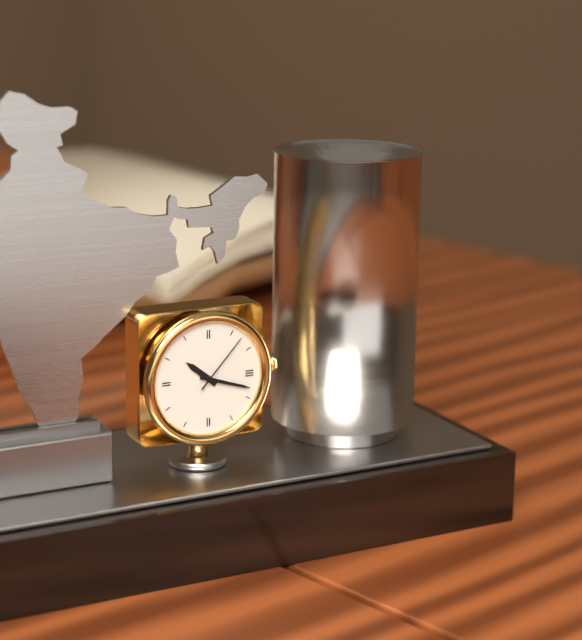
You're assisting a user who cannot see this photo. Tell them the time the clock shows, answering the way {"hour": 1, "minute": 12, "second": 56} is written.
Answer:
{"hour": 10, "minute": 18, "second": 7}
